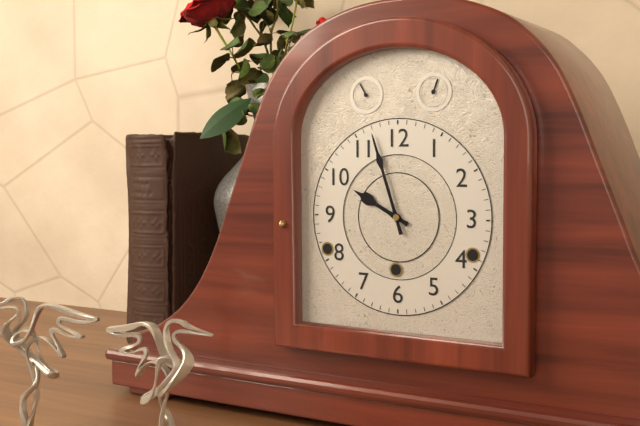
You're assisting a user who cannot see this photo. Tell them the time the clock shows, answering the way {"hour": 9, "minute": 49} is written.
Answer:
{"hour": 9, "minute": 57}
